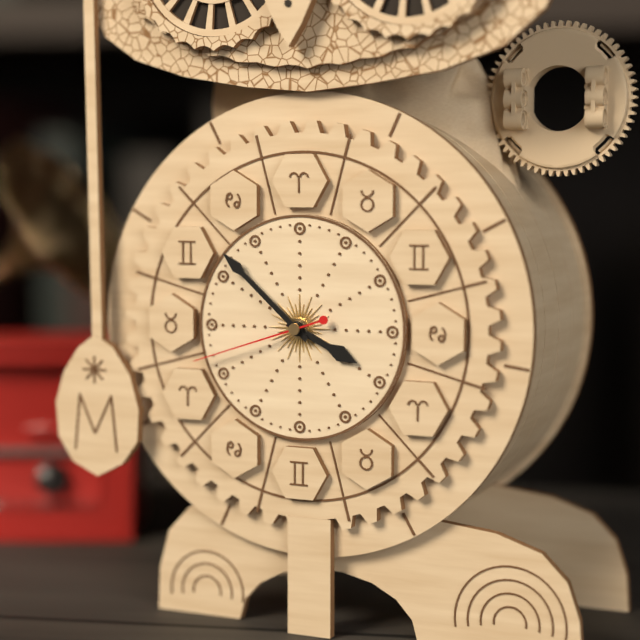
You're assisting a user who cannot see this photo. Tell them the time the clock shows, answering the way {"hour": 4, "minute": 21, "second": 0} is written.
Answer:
{"hour": 3, "minute": 52, "second": 42}
